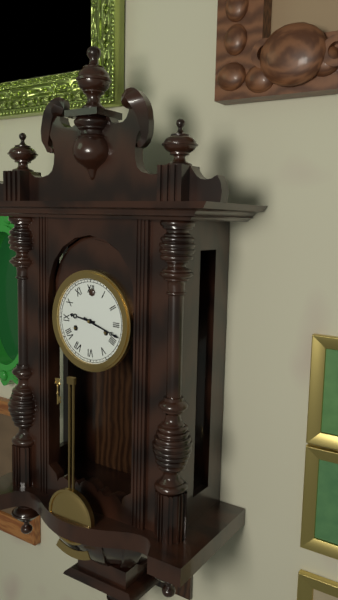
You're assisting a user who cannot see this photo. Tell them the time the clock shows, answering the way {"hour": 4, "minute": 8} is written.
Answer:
{"hour": 9, "minute": 18}
